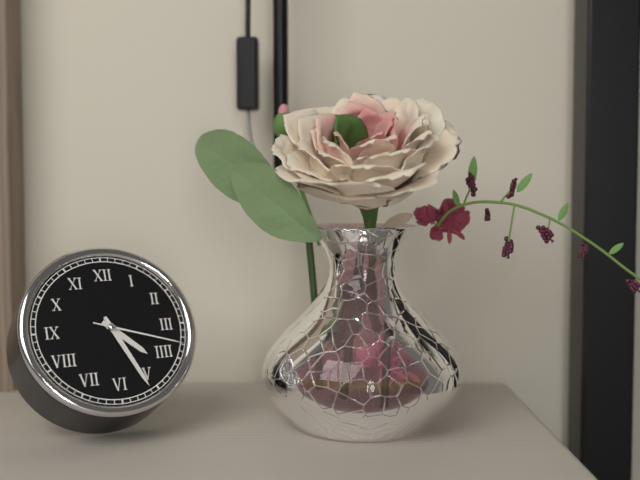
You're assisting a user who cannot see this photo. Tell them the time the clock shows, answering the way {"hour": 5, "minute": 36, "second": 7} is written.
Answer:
{"hour": 4, "minute": 26, "second": 18}
